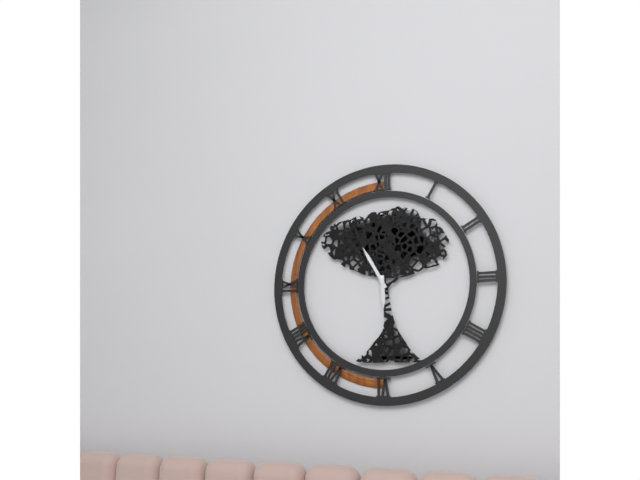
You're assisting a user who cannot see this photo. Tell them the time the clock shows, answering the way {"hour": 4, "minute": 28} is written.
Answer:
{"hour": 5, "minute": 55}
